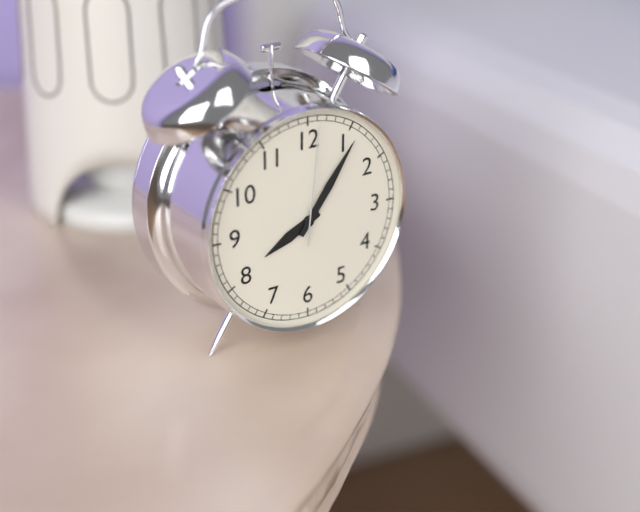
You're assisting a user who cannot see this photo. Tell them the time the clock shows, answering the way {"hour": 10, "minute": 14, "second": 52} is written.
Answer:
{"hour": 8, "minute": 6, "second": 1}
